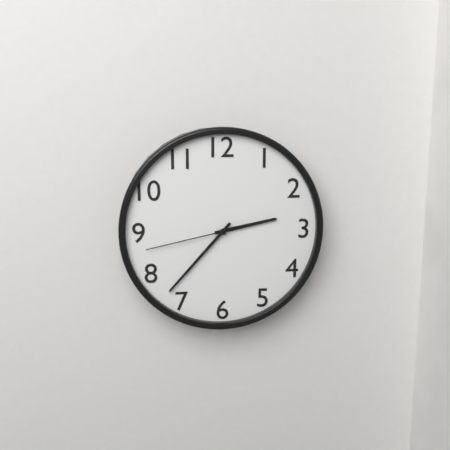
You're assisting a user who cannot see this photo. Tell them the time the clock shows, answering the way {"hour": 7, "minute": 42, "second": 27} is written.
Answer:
{"hour": 2, "minute": 37, "second": 43}
